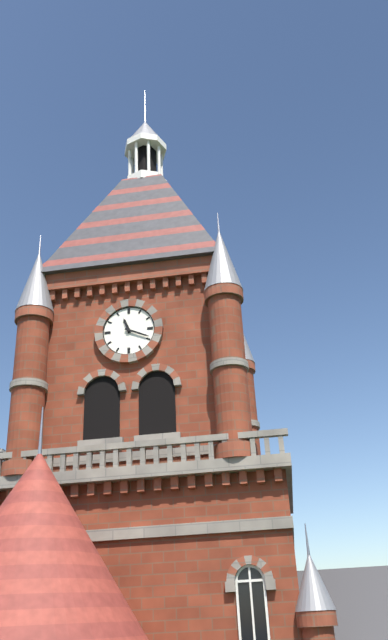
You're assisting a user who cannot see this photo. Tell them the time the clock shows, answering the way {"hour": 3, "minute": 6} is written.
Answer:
{"hour": 11, "minute": 19}
